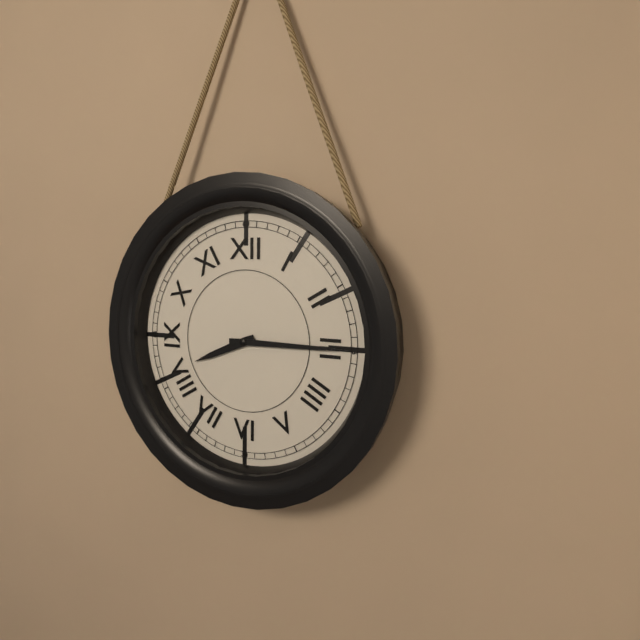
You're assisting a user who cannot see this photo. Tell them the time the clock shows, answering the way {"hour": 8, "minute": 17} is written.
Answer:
{"hour": 8, "minute": 15}
